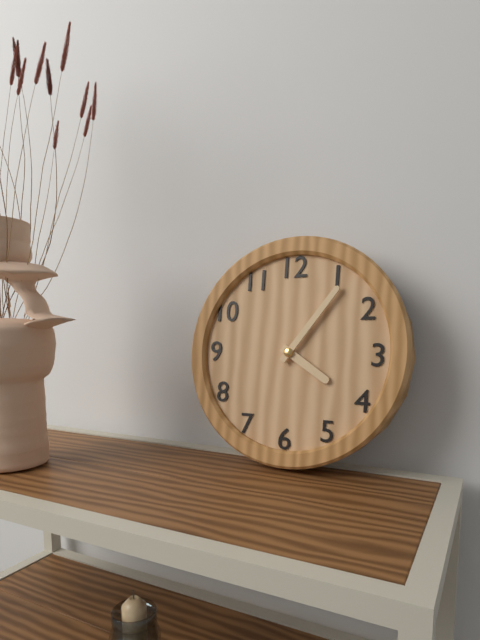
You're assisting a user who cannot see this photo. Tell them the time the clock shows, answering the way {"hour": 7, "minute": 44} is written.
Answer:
{"hour": 4, "minute": 6}
